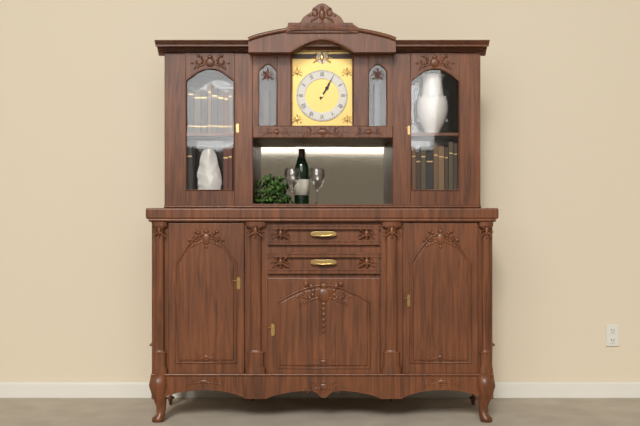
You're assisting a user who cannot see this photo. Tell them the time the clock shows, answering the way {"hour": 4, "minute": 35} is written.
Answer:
{"hour": 1, "minute": 5}
